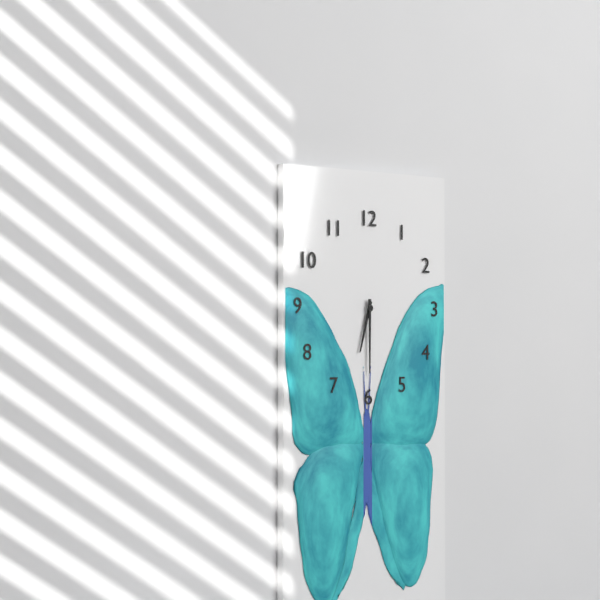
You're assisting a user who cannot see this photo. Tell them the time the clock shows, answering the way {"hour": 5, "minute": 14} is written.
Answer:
{"hour": 6, "minute": 30}
